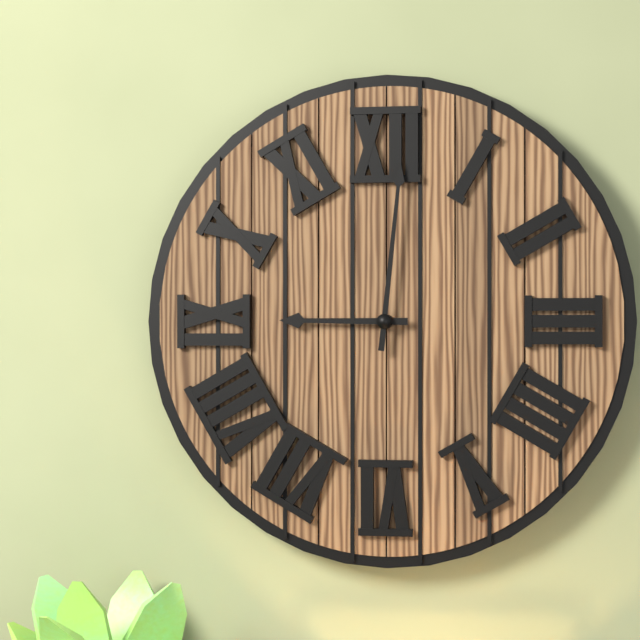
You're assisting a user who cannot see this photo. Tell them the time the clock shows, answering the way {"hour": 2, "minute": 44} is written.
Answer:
{"hour": 9, "minute": 1}
